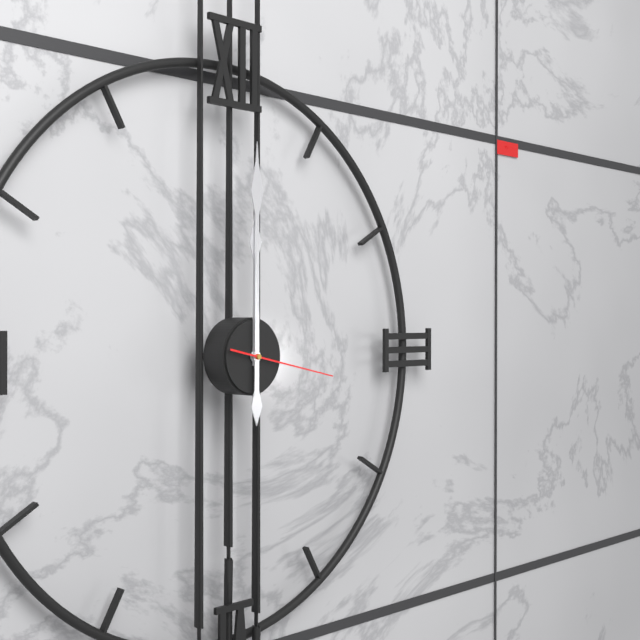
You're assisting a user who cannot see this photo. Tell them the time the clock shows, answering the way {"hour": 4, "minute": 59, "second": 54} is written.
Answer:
{"hour": 12, "minute": 0, "second": 17}
